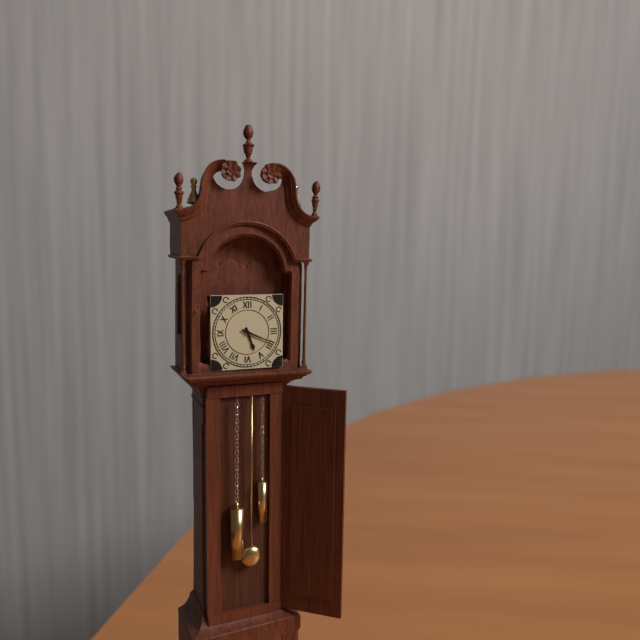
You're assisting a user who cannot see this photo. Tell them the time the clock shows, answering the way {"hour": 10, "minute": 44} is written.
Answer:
{"hour": 5, "minute": 19}
